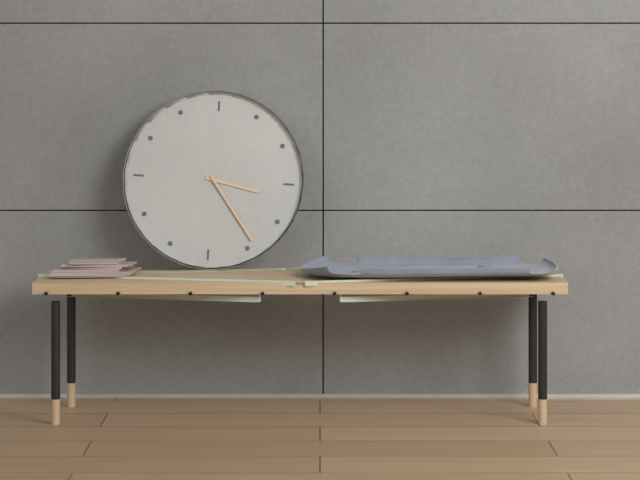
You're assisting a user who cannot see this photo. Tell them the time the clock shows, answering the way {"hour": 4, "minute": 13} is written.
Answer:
{"hour": 3, "minute": 24}
